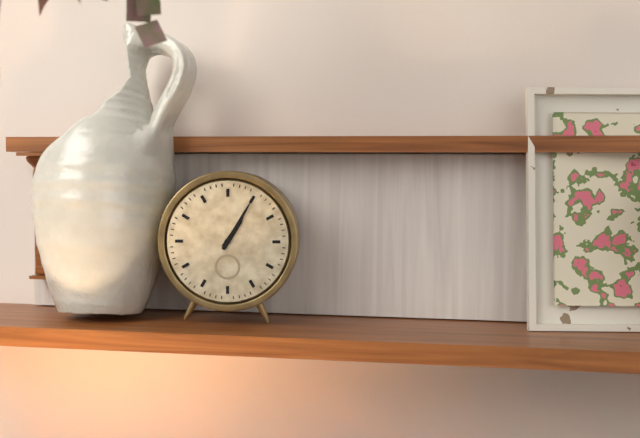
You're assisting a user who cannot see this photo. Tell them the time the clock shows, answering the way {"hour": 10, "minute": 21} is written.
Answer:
{"hour": 1, "minute": 5}
